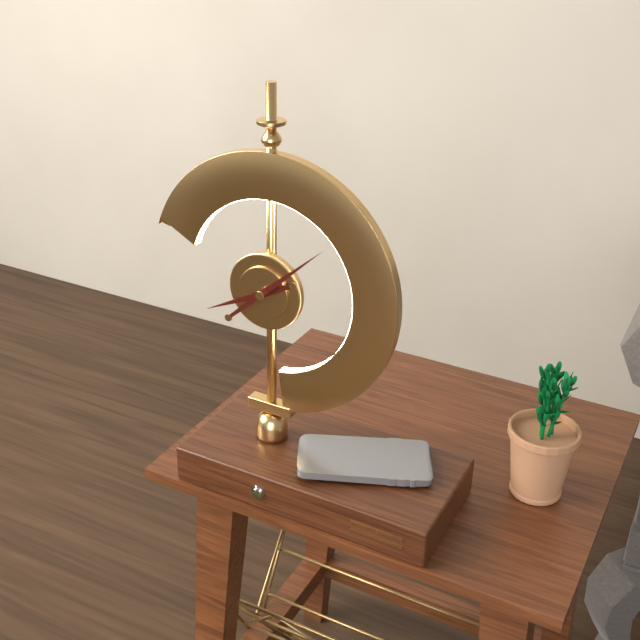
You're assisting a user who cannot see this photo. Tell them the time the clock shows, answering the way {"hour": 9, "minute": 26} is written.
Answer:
{"hour": 8, "minute": 8}
